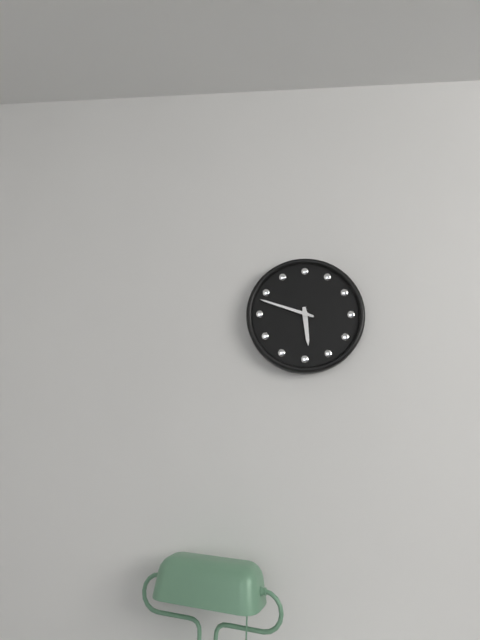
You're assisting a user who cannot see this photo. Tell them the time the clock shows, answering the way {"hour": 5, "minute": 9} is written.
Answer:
{"hour": 5, "minute": 48}
